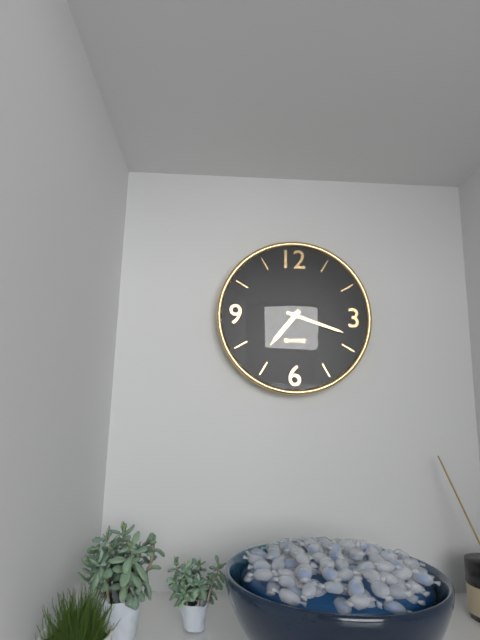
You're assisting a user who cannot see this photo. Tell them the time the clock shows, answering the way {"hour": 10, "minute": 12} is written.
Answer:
{"hour": 7, "minute": 18}
